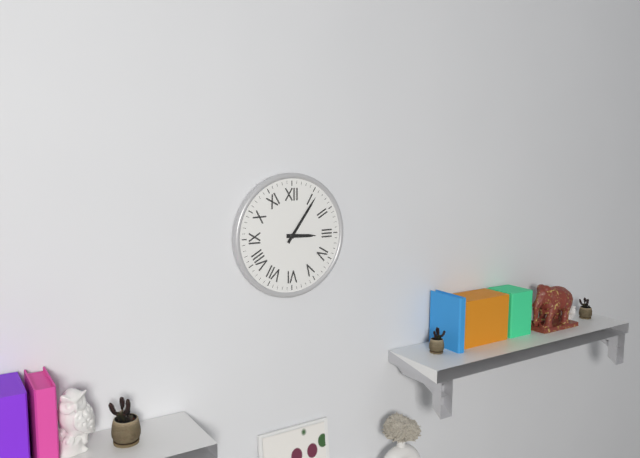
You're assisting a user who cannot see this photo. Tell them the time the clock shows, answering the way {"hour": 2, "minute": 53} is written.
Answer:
{"hour": 3, "minute": 6}
